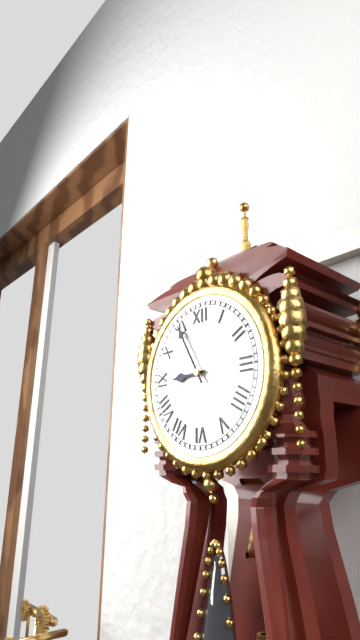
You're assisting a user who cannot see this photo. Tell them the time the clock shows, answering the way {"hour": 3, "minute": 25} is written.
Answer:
{"hour": 8, "minute": 55}
